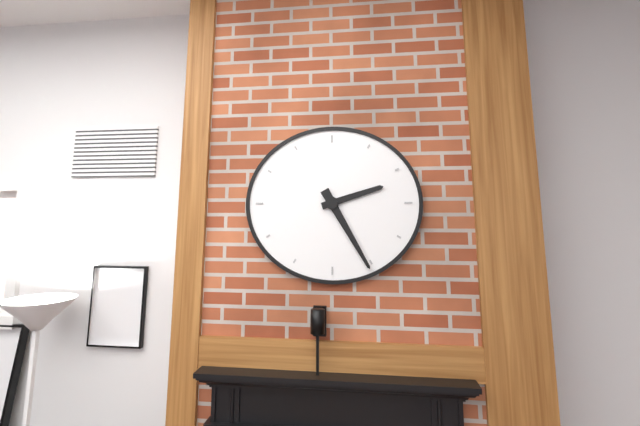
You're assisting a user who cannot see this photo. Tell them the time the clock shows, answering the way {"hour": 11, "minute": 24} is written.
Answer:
{"hour": 2, "minute": 25}
